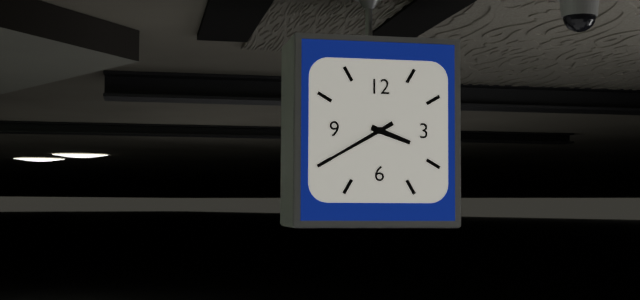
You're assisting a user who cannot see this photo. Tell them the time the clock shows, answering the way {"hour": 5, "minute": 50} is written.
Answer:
{"hour": 3, "minute": 40}
